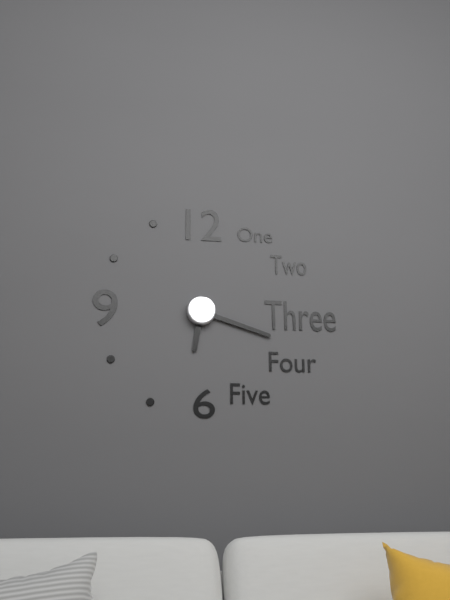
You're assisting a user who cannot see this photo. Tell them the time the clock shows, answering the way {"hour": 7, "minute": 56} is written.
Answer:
{"hour": 6, "minute": 18}
